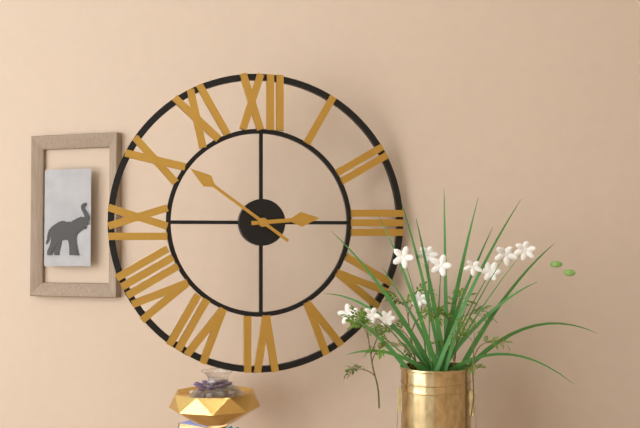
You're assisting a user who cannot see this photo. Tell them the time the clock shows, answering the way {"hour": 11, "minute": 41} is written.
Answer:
{"hour": 2, "minute": 51}
